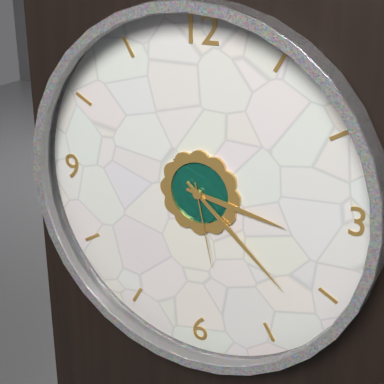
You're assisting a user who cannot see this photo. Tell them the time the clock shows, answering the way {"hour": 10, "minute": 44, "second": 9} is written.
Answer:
{"hour": 3, "minute": 22, "second": 28}
